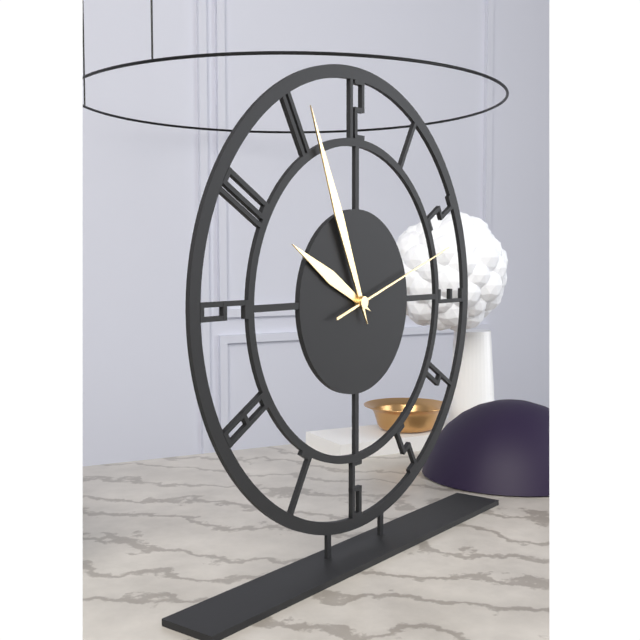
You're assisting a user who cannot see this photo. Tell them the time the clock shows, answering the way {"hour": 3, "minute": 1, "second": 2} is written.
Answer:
{"hour": 9, "minute": 56, "second": 12}
